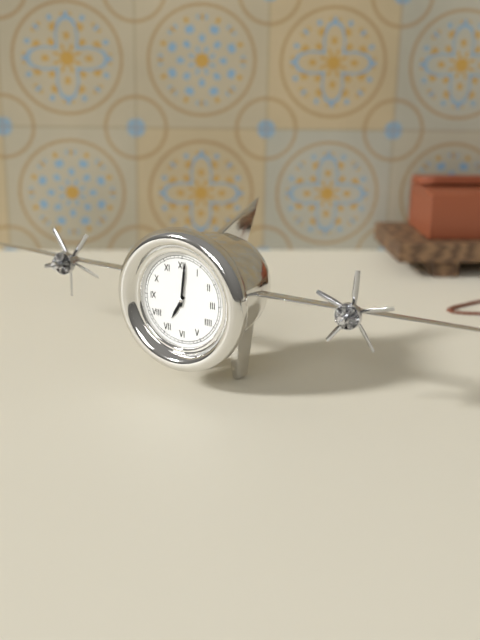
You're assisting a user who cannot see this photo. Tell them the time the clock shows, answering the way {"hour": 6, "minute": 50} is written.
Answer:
{"hour": 7, "minute": 1}
